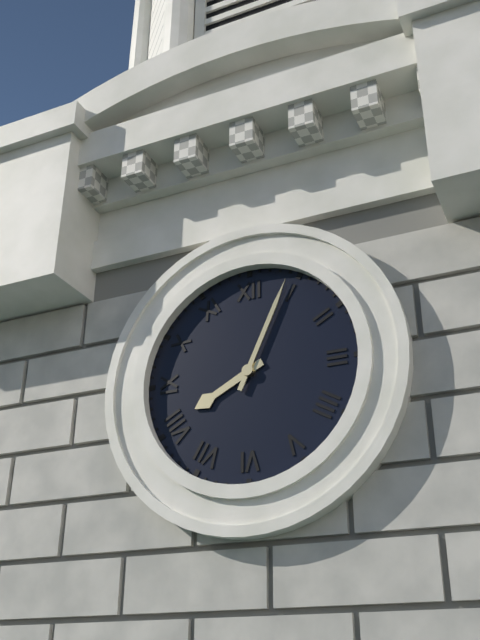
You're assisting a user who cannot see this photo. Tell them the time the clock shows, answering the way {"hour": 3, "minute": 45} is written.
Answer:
{"hour": 8, "minute": 4}
